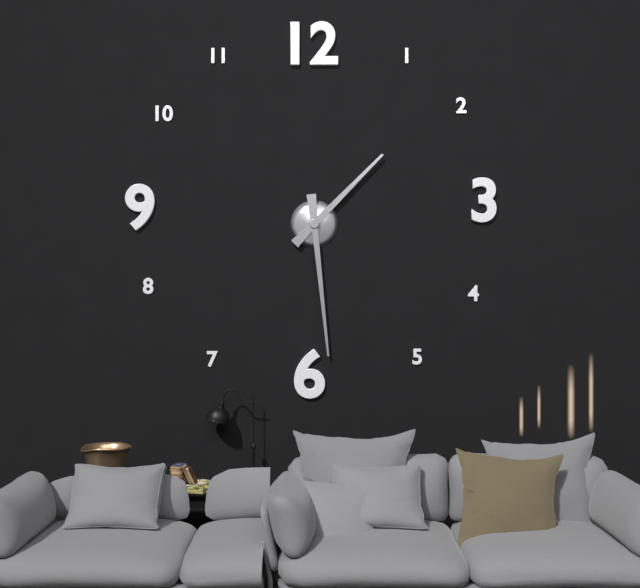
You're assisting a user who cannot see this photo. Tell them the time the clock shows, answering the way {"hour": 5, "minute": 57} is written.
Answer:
{"hour": 1, "minute": 29}
